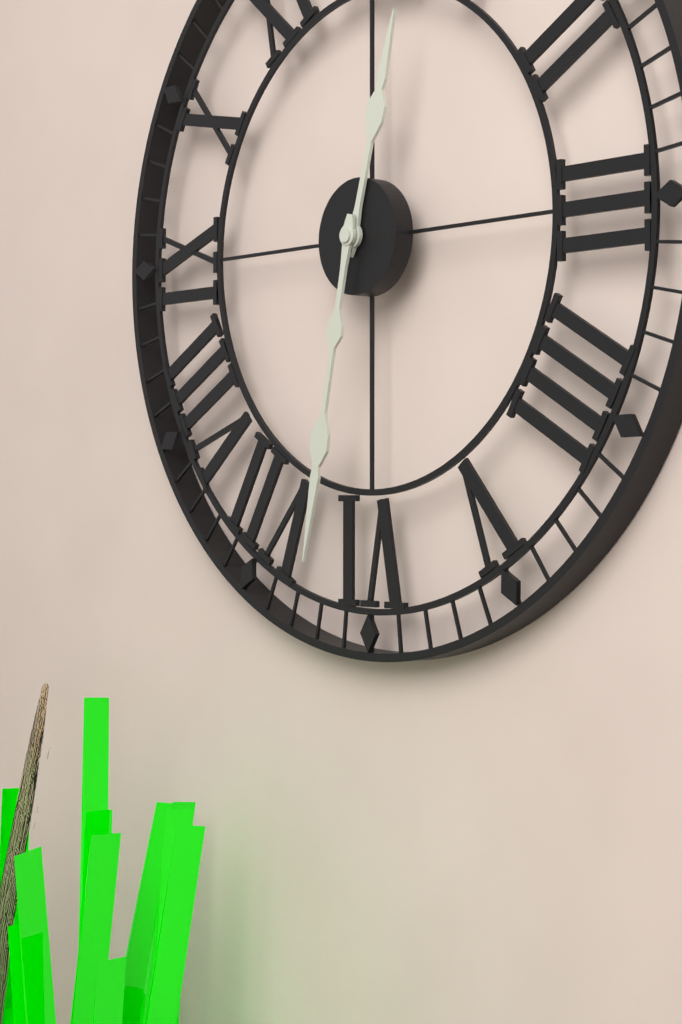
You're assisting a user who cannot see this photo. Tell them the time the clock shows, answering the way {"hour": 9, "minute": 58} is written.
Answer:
{"hour": 12, "minute": 32}
